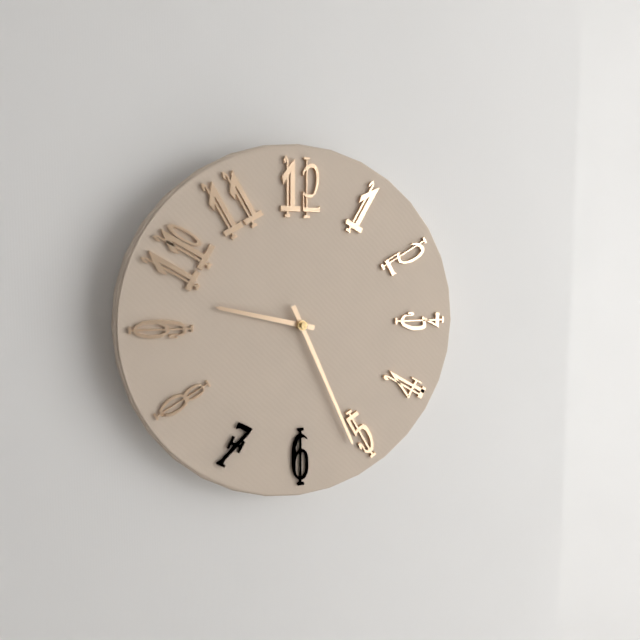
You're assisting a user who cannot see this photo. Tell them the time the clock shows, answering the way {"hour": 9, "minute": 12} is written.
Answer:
{"hour": 9, "minute": 26}
